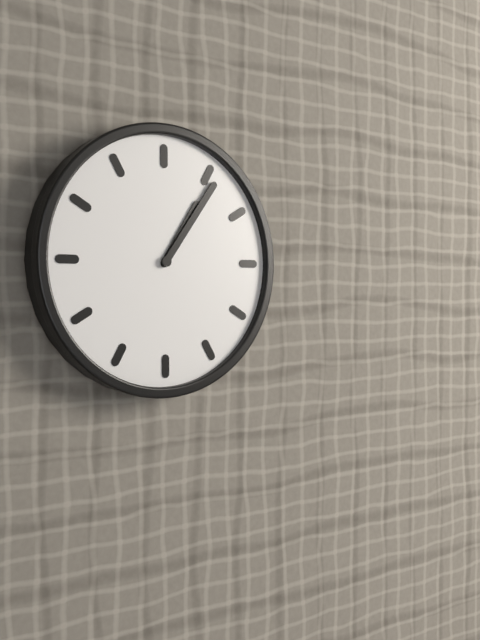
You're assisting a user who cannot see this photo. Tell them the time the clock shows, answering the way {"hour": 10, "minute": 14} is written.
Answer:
{"hour": 1, "minute": 6}
